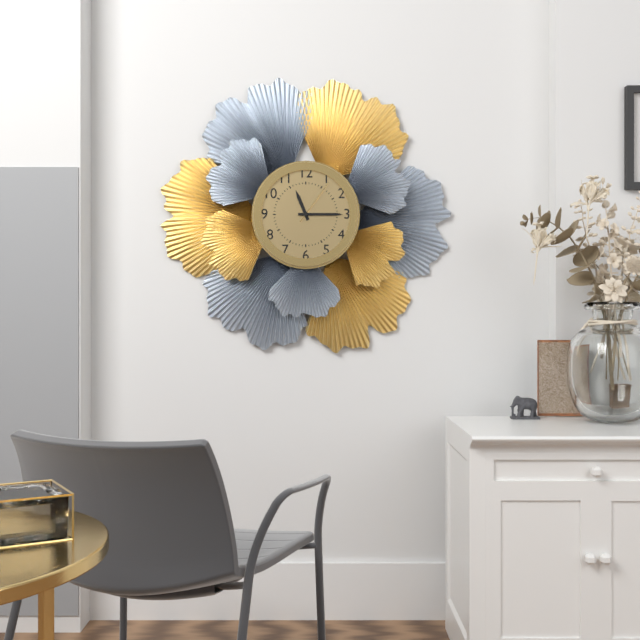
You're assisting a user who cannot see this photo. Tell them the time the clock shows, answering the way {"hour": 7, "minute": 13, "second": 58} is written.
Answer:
{"hour": 11, "minute": 15, "second": 6}
